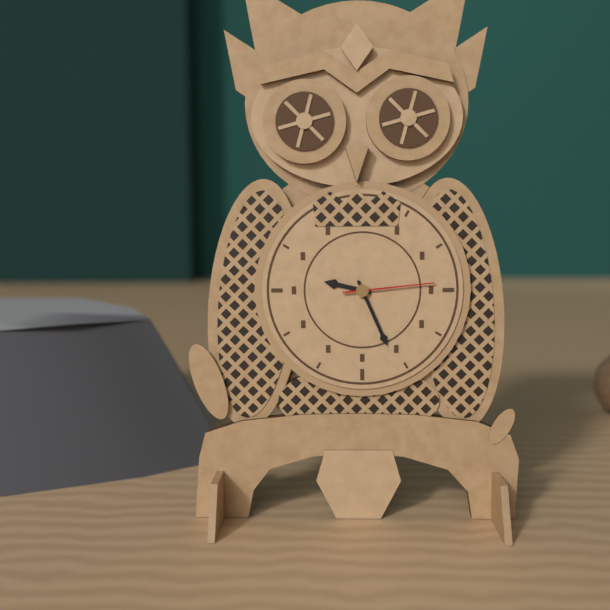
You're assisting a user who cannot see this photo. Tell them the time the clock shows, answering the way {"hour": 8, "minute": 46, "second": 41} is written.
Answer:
{"hour": 9, "minute": 26, "second": 14}
